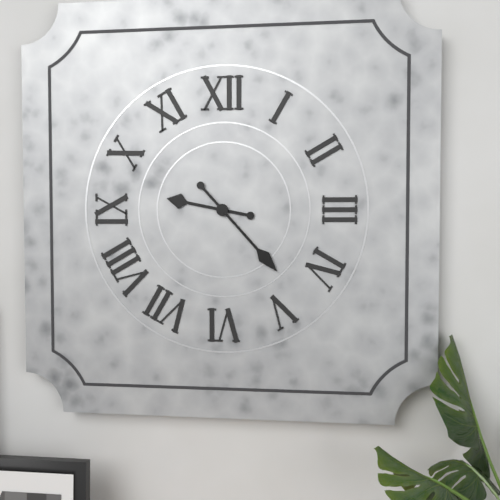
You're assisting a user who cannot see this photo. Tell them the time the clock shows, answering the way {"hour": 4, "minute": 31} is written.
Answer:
{"hour": 9, "minute": 23}
